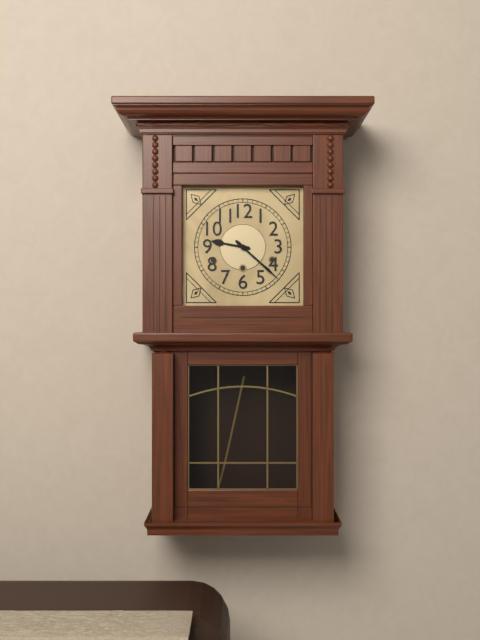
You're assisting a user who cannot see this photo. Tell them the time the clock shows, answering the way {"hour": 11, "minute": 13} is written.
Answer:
{"hour": 9, "minute": 22}
